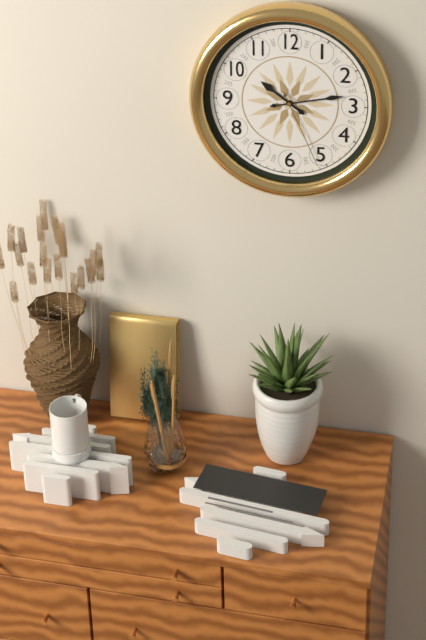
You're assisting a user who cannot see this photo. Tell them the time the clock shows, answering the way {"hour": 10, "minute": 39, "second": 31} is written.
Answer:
{"hour": 10, "minute": 13, "second": 26}
